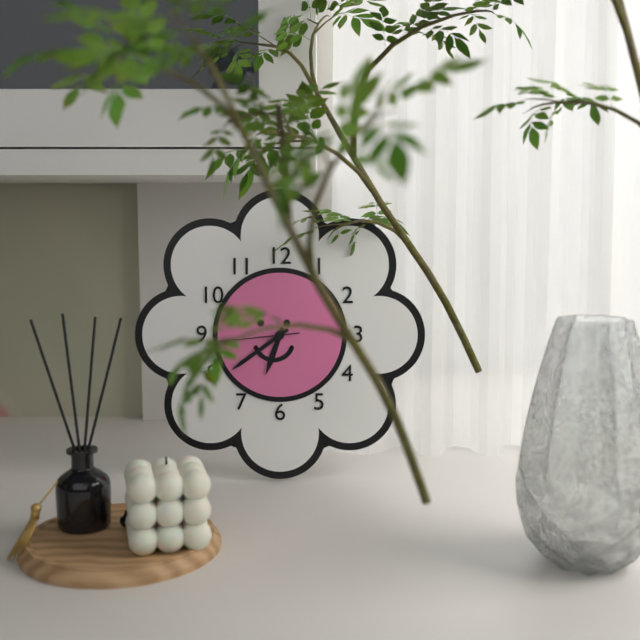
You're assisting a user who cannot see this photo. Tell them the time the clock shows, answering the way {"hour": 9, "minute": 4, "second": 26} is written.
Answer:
{"hour": 6, "minute": 39, "second": 44}
